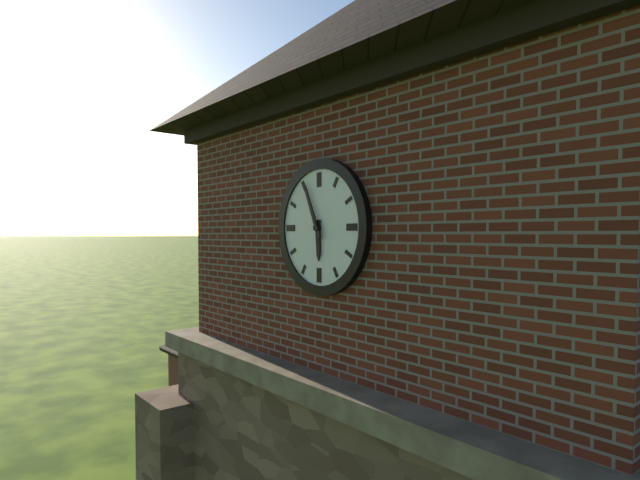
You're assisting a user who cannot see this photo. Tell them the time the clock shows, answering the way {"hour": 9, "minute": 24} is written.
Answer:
{"hour": 5, "minute": 56}
